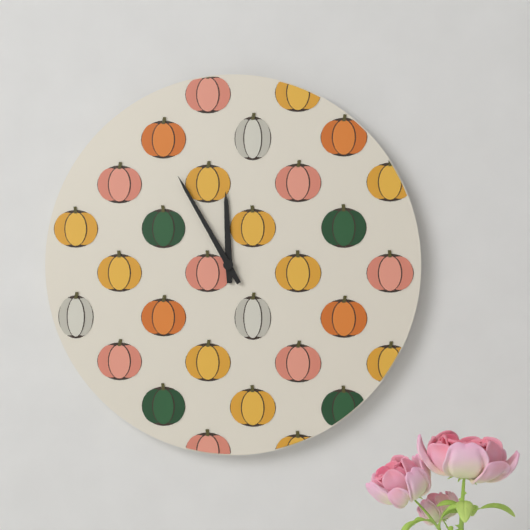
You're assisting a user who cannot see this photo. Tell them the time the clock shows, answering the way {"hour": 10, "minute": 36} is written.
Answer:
{"hour": 11, "minute": 55}
